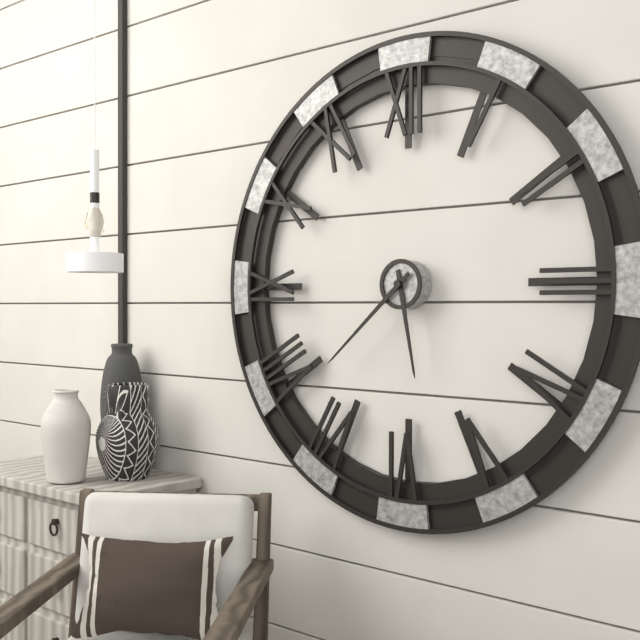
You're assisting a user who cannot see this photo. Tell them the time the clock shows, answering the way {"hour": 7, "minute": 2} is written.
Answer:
{"hour": 5, "minute": 38}
